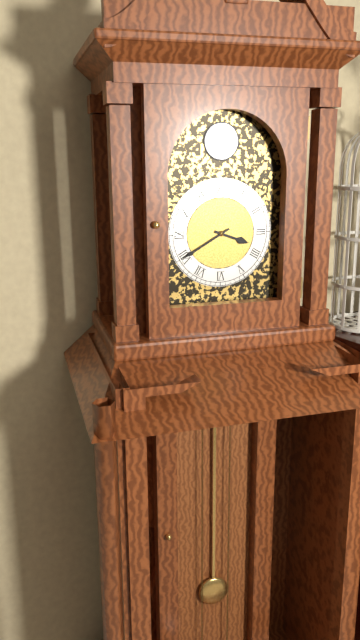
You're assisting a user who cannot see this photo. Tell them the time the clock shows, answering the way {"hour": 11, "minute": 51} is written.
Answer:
{"hour": 3, "minute": 40}
